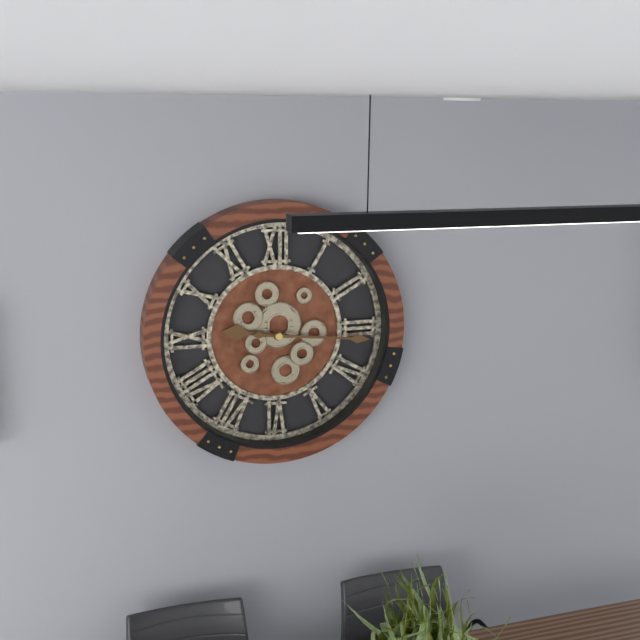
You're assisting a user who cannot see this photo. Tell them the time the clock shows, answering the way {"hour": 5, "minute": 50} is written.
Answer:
{"hour": 9, "minute": 16}
